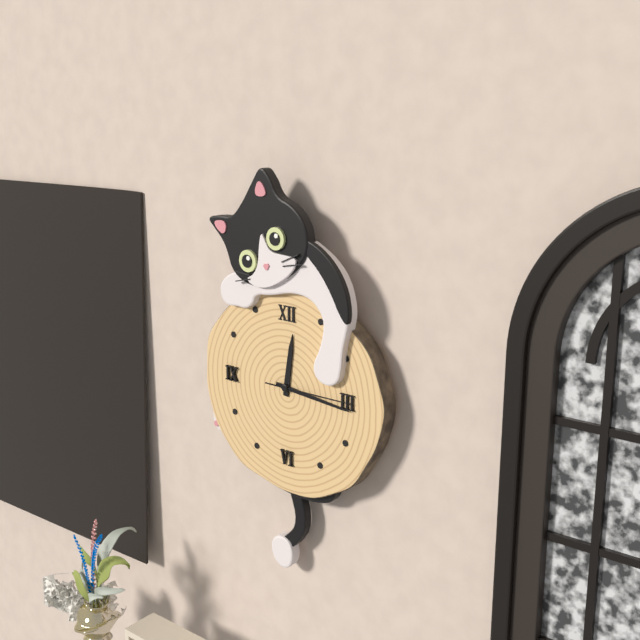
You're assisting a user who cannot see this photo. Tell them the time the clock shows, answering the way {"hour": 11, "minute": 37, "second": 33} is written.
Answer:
{"hour": 12, "minute": 16, "second": 15}
